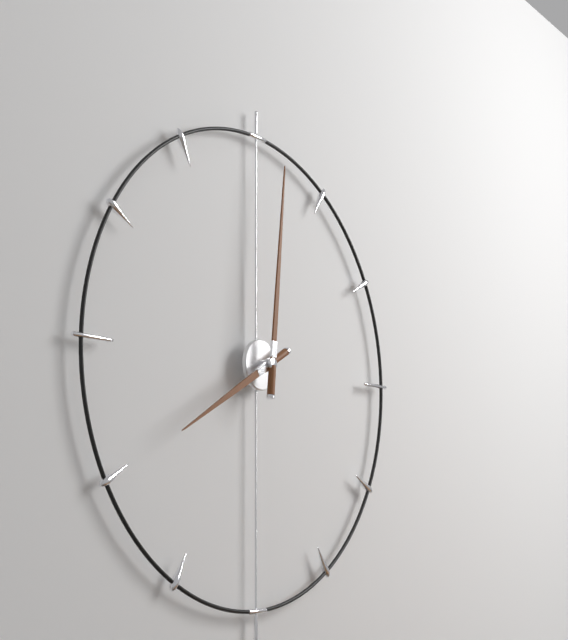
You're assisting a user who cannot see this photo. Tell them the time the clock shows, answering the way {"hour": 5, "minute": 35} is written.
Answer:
{"hour": 8, "minute": 1}
